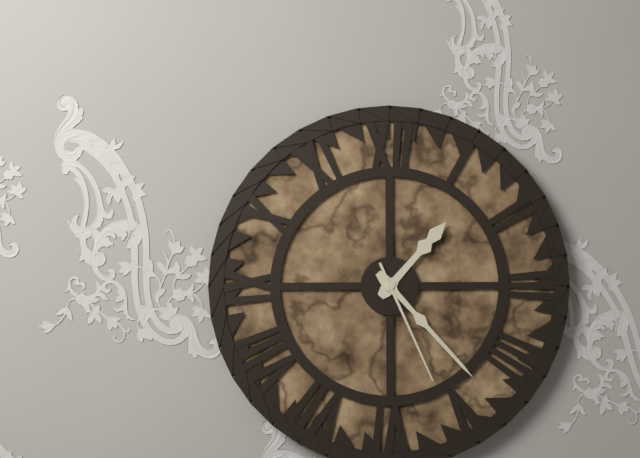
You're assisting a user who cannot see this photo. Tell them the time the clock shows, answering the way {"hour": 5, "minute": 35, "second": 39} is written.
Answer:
{"hour": 1, "minute": 23, "second": 26}
